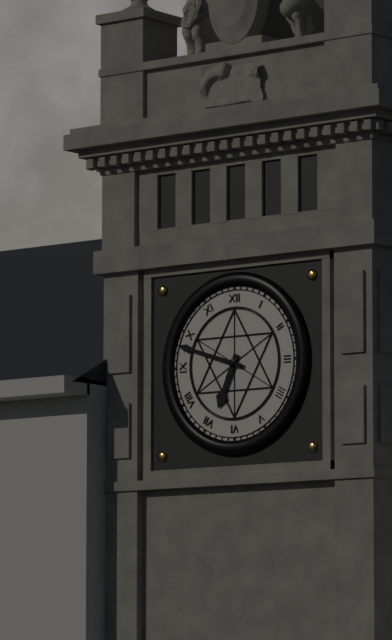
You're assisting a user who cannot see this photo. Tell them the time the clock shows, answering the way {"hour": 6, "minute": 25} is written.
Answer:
{"hour": 6, "minute": 48}
